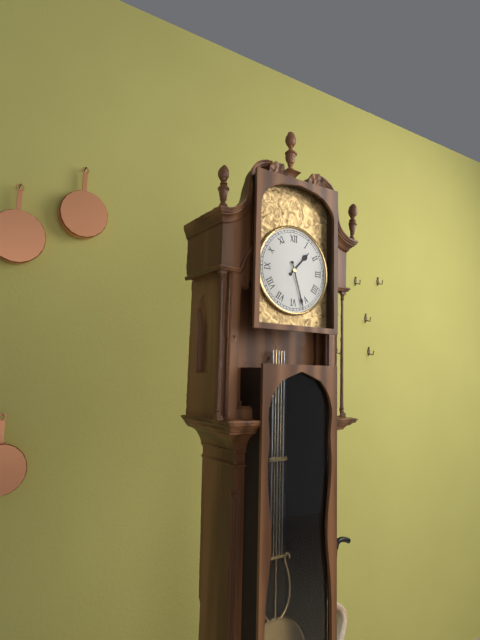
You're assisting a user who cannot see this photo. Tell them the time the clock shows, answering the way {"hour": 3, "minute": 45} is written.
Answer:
{"hour": 1, "minute": 27}
